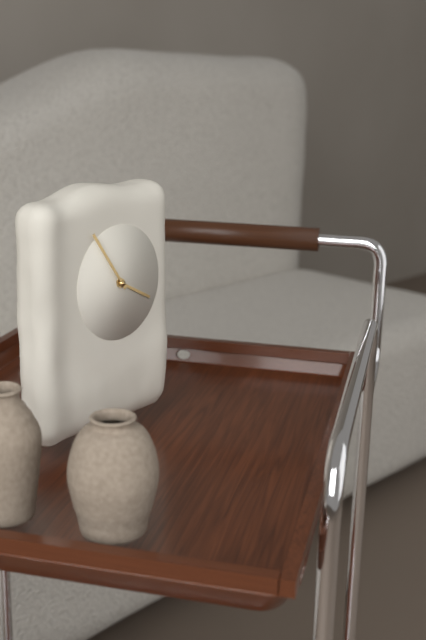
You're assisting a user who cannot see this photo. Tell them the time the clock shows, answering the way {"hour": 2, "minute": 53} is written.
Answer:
{"hour": 3, "minute": 54}
